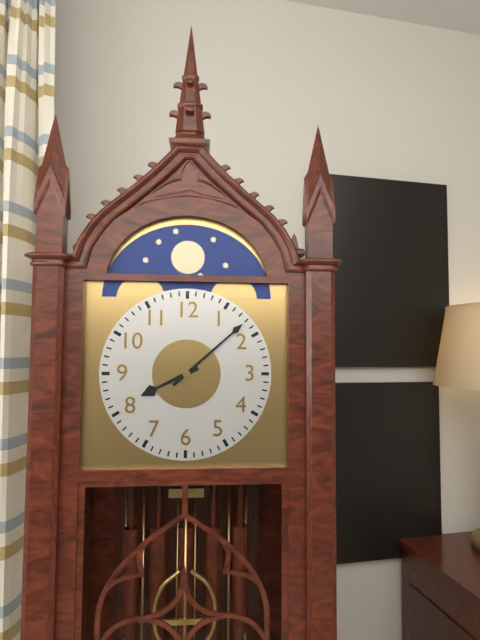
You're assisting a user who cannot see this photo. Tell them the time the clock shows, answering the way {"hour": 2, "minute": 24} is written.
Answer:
{"hour": 8, "minute": 8}
